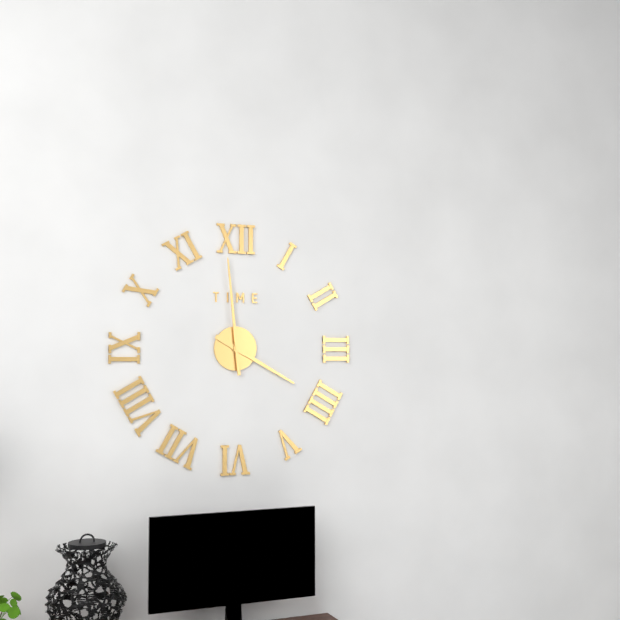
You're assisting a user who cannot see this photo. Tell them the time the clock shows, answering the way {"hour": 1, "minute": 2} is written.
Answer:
{"hour": 3, "minute": 59}
